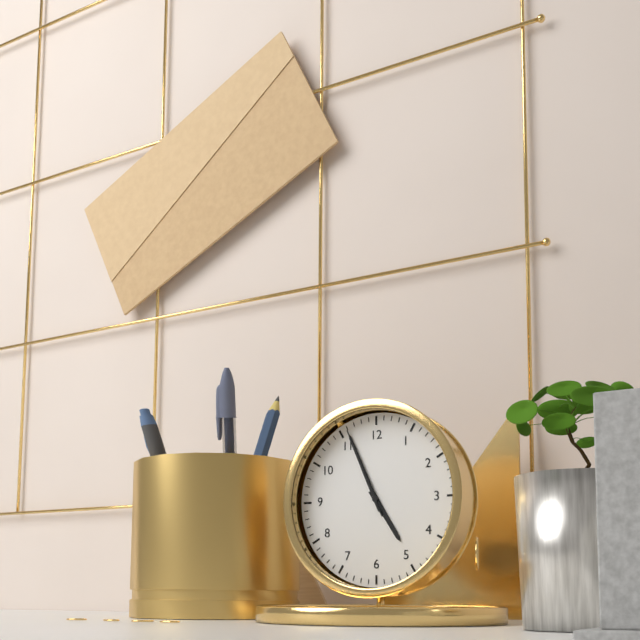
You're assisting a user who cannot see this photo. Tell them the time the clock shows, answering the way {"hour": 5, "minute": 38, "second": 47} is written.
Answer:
{"hour": 4, "minute": 56, "second": 56}
